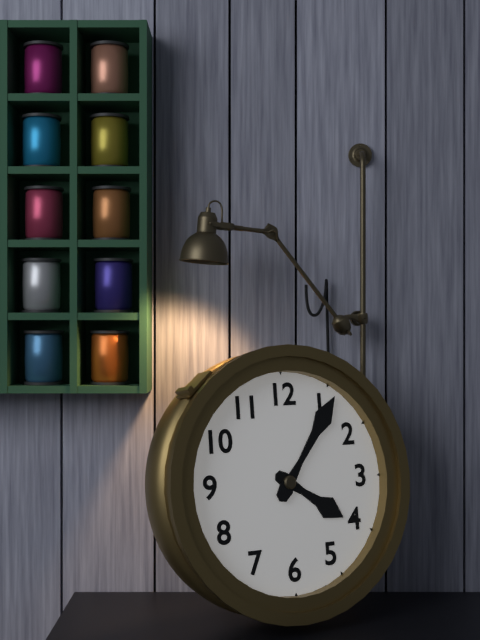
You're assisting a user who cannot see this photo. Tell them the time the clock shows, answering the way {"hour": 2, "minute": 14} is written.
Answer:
{"hour": 4, "minute": 6}
